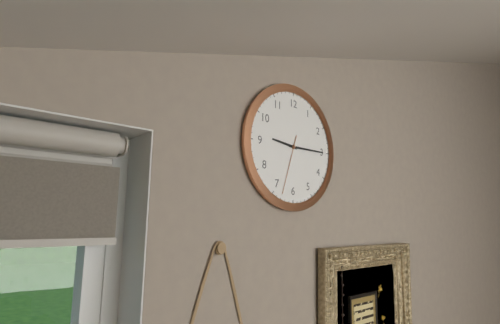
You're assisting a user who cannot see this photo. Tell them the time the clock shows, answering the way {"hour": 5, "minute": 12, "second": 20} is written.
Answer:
{"hour": 9, "minute": 15, "second": 33}
